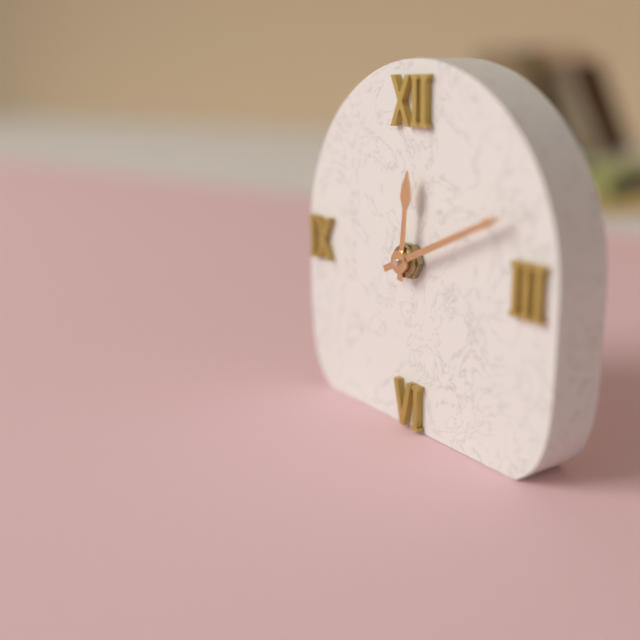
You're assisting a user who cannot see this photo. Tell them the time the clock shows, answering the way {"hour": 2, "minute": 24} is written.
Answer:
{"hour": 12, "minute": 11}
